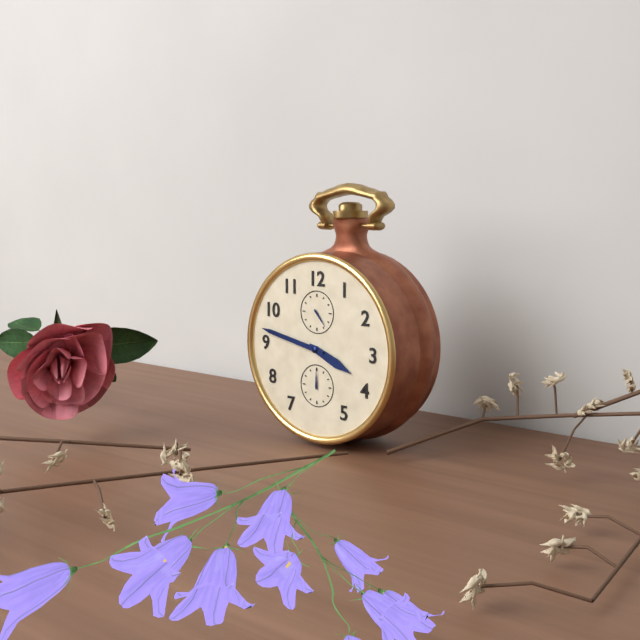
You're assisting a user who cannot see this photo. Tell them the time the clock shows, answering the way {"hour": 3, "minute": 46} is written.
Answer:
{"hour": 3, "minute": 47}
